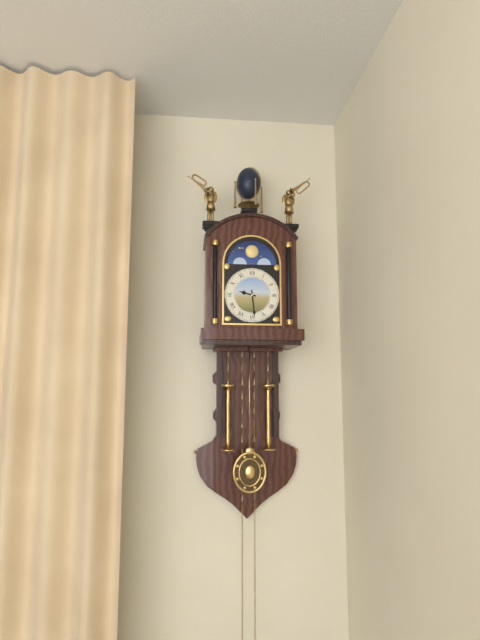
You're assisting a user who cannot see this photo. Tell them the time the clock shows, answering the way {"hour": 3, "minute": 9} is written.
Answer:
{"hour": 9, "minute": 29}
